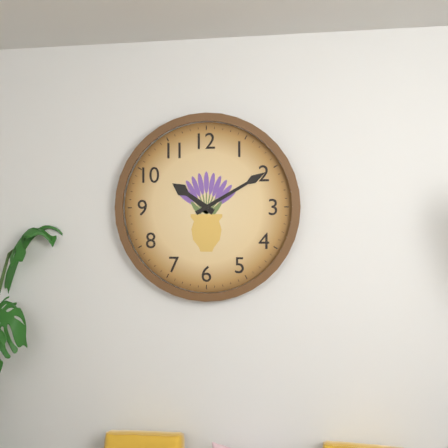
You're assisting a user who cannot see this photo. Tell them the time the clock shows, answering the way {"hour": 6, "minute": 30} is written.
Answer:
{"hour": 10, "minute": 10}
